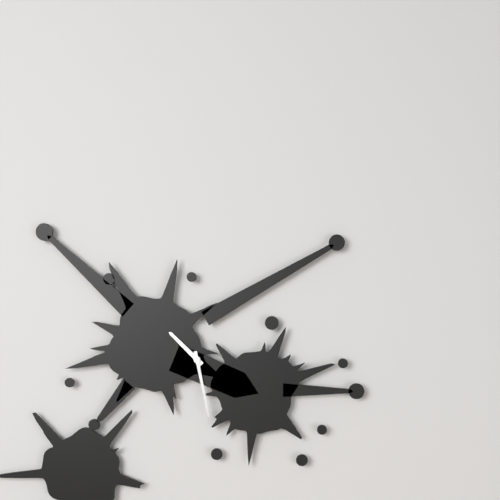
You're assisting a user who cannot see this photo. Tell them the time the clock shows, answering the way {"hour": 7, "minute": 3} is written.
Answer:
{"hour": 10, "minute": 28}
